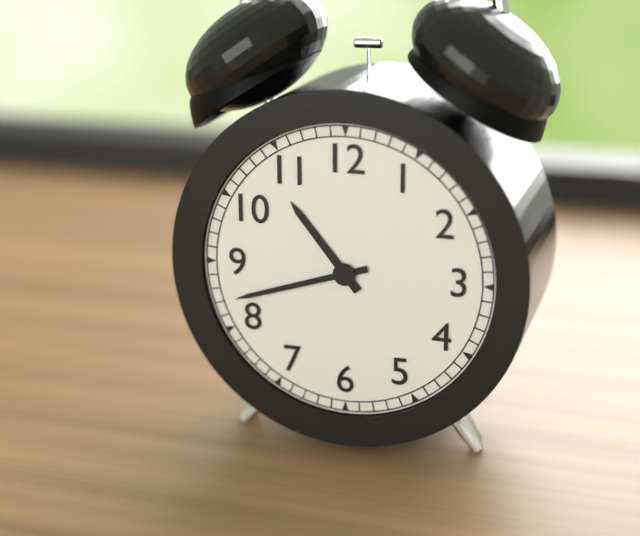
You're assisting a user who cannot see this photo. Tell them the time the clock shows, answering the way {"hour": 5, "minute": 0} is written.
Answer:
{"hour": 10, "minute": 42}
